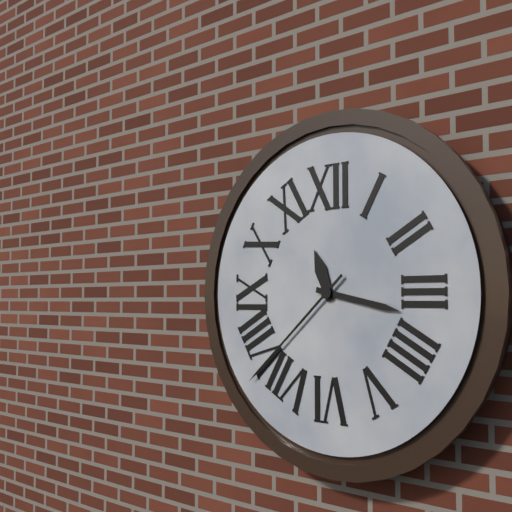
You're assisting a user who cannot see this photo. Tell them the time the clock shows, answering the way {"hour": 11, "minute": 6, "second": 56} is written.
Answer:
{"hour": 11, "minute": 17, "second": 38}
